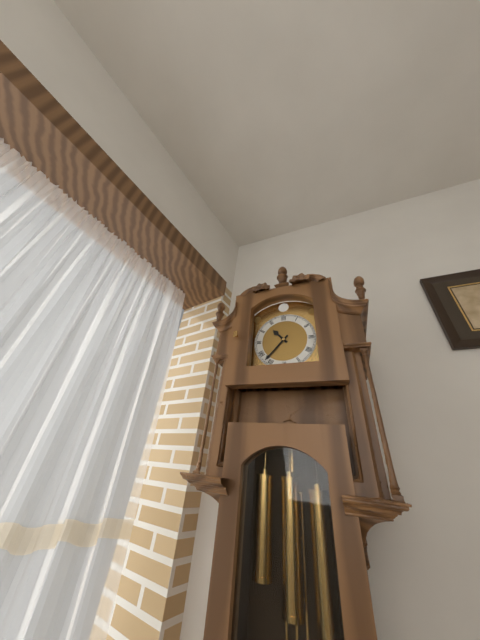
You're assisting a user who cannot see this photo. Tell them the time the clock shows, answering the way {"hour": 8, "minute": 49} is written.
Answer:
{"hour": 10, "minute": 37}
